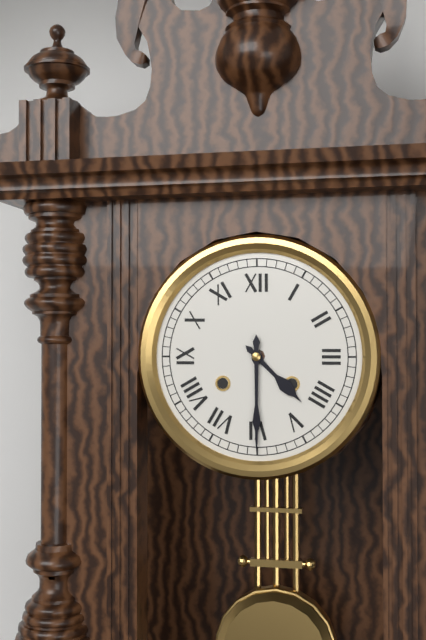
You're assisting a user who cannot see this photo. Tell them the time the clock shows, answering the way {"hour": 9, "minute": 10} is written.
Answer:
{"hour": 4, "minute": 30}
